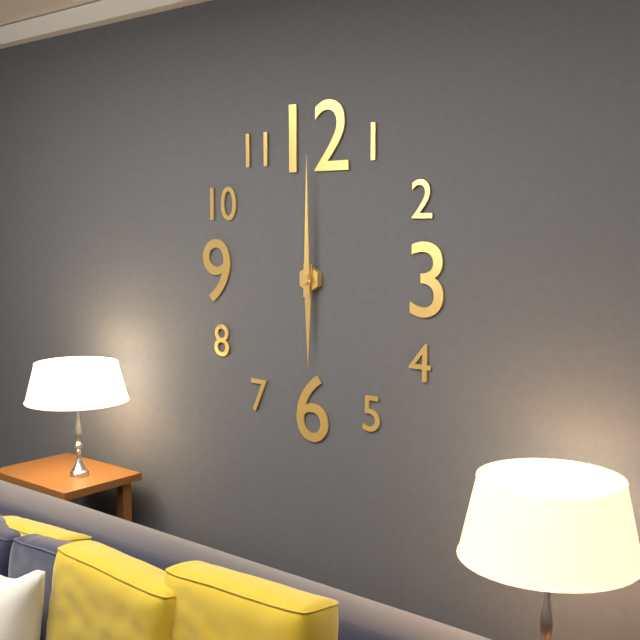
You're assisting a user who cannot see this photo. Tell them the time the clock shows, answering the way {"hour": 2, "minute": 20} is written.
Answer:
{"hour": 6, "minute": 0}
